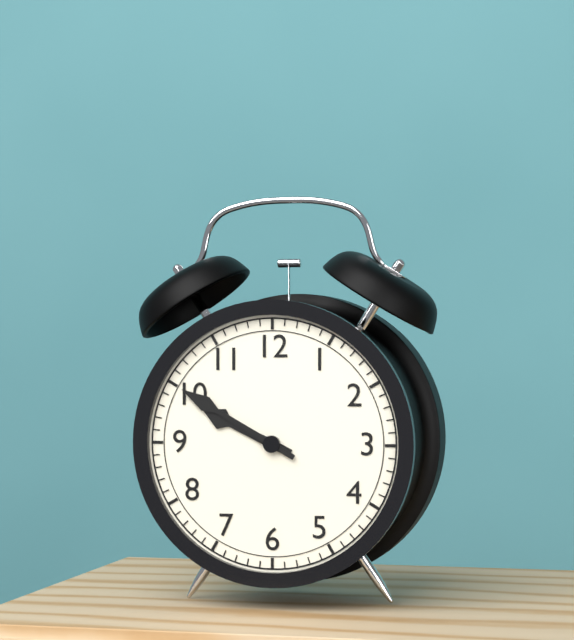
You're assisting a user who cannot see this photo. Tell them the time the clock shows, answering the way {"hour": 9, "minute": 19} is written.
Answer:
{"hour": 9, "minute": 50}
